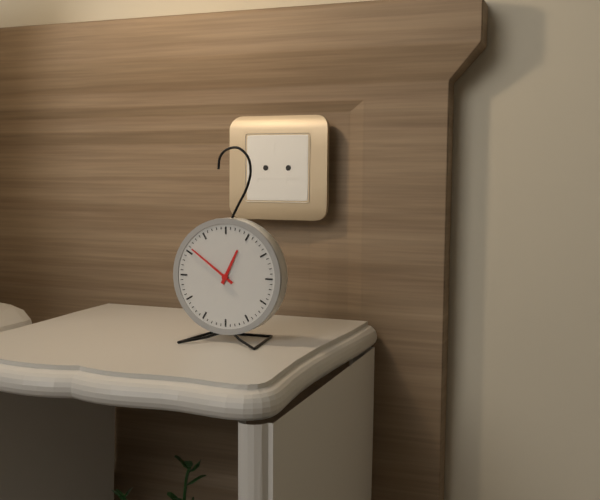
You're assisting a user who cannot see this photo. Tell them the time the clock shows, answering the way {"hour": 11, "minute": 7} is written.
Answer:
{"hour": 12, "minute": 51}
